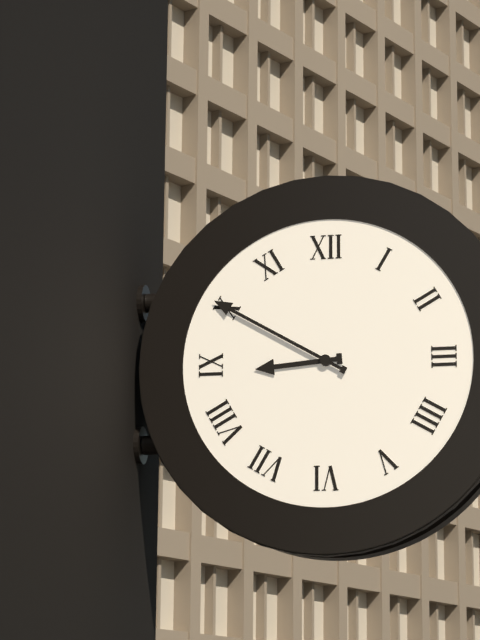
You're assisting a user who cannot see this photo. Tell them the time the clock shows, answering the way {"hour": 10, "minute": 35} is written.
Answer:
{"hour": 8, "minute": 50}
